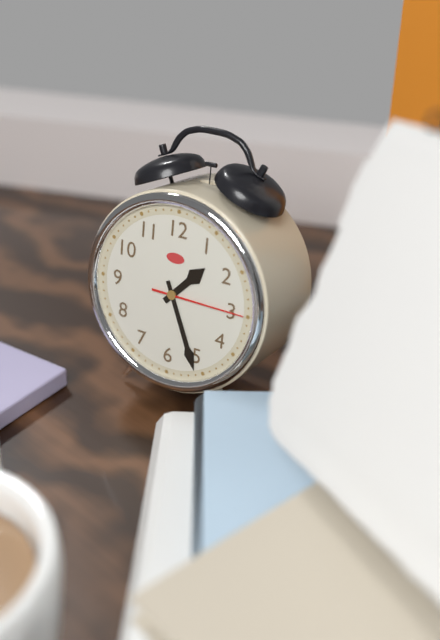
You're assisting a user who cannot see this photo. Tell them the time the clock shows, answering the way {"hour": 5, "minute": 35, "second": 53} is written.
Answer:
{"hour": 1, "minute": 26, "second": 15}
